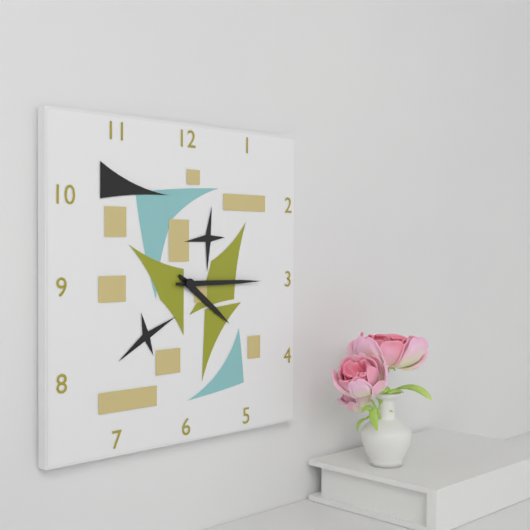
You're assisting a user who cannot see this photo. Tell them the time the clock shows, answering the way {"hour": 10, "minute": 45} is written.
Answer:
{"hour": 4, "minute": 15}
